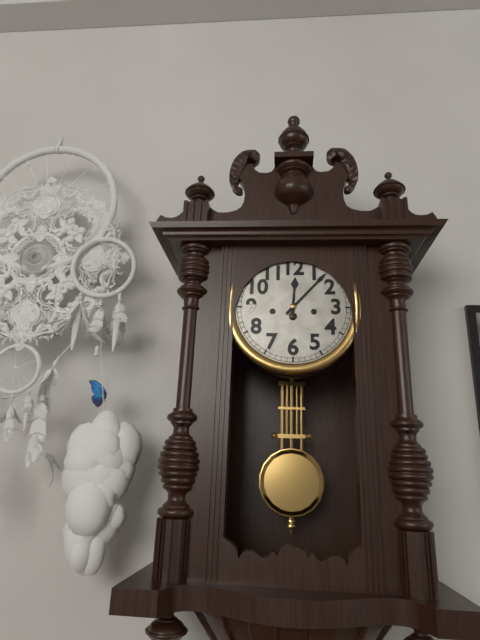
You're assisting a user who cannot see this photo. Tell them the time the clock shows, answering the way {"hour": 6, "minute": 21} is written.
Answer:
{"hour": 12, "minute": 7}
